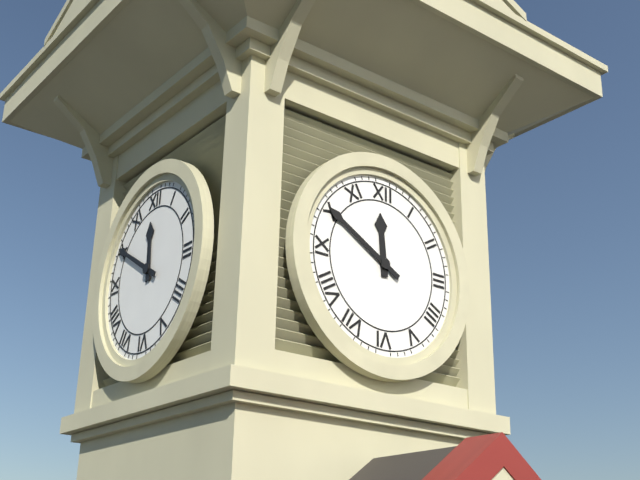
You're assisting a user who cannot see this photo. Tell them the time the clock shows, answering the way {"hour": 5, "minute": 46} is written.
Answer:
{"hour": 11, "minute": 50}
